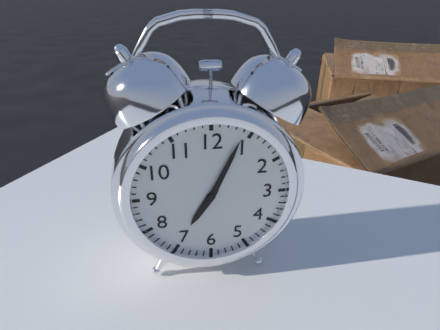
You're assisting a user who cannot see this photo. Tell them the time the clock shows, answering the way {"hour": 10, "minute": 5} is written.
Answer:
{"hour": 7, "minute": 4}
